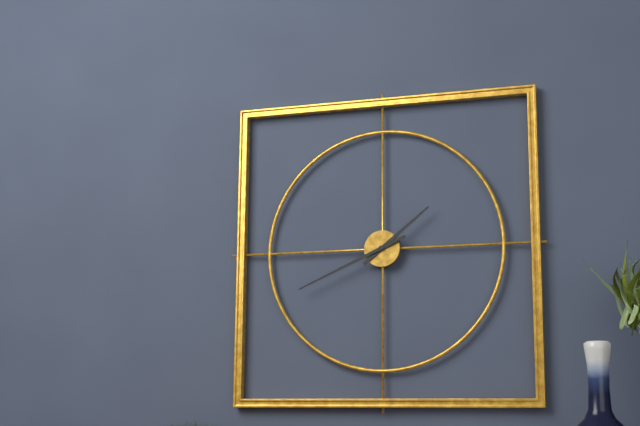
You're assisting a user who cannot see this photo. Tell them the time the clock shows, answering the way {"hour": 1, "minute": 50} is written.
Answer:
{"hour": 1, "minute": 41}
